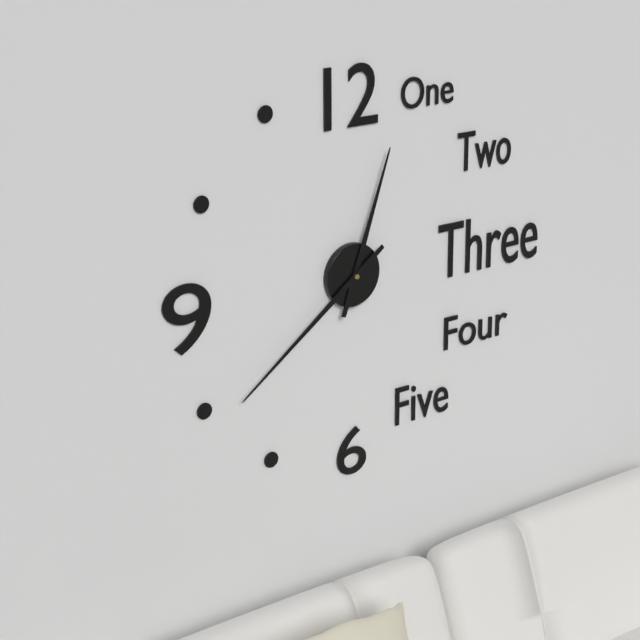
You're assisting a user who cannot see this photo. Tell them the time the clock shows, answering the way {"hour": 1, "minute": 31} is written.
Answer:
{"hour": 12, "minute": 39}
